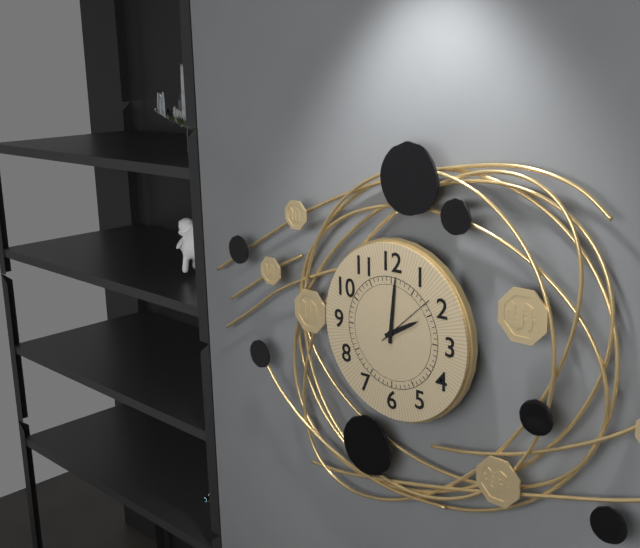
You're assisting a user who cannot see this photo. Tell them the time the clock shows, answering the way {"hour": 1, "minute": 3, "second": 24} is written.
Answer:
{"hour": 2, "minute": 1, "second": 8}
